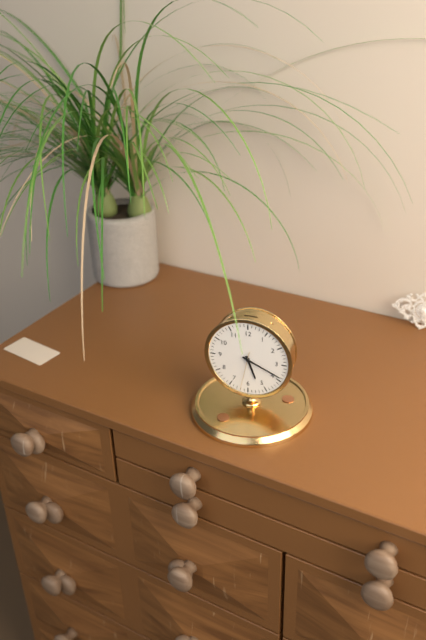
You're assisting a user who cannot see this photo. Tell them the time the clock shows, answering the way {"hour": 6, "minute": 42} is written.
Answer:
{"hour": 5, "minute": 19}
